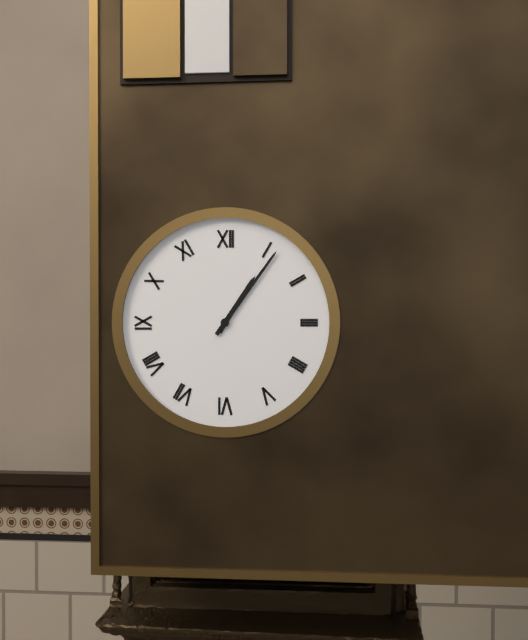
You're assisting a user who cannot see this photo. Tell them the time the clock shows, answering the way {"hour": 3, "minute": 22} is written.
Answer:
{"hour": 1, "minute": 6}
